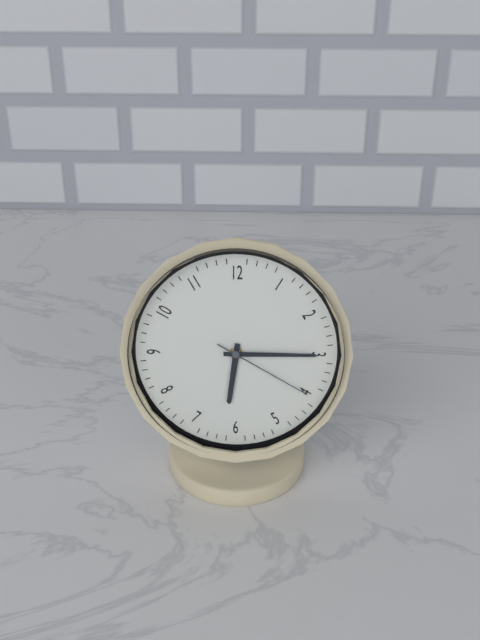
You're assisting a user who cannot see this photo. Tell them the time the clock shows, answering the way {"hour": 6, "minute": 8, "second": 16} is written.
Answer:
{"hour": 6, "minute": 15, "second": 20}
